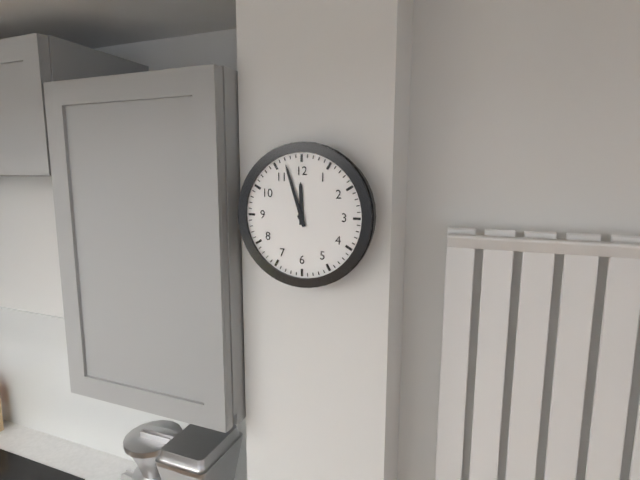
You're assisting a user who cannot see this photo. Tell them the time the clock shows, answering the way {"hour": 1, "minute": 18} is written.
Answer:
{"hour": 11, "minute": 57}
